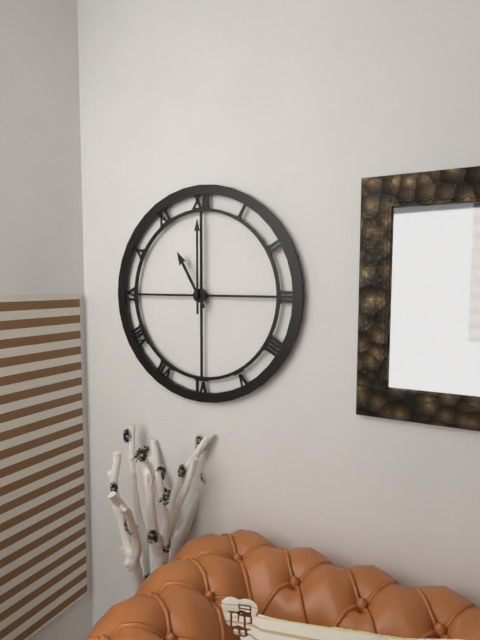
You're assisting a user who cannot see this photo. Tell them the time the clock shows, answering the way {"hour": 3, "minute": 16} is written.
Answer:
{"hour": 11, "minute": 0}
